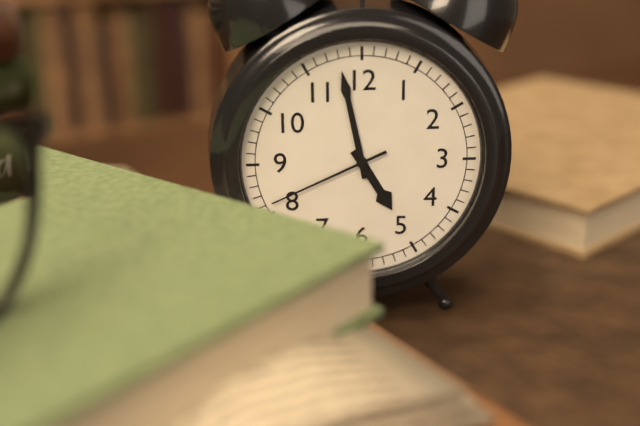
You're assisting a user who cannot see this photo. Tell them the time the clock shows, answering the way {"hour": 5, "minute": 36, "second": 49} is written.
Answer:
{"hour": 4, "minute": 58, "second": 41}
